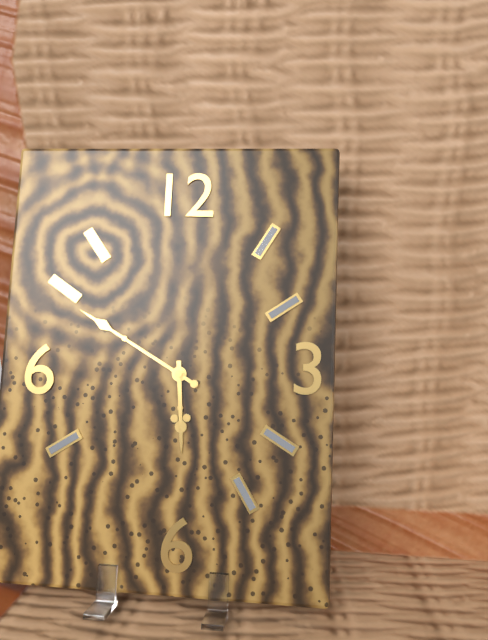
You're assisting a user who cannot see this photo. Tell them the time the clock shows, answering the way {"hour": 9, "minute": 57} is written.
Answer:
{"hour": 5, "minute": 50}
